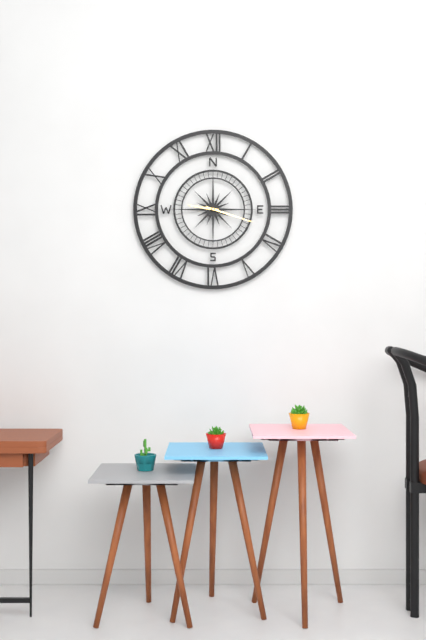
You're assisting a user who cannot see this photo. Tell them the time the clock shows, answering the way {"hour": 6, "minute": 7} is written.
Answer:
{"hour": 9, "minute": 18}
